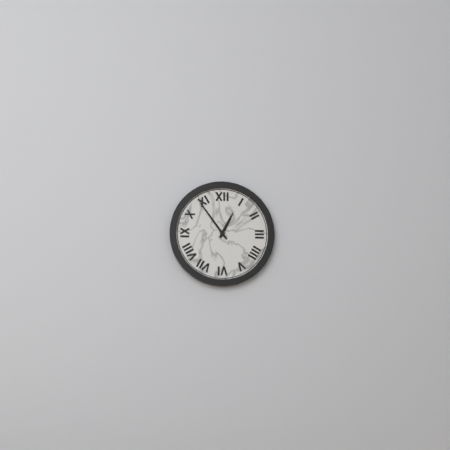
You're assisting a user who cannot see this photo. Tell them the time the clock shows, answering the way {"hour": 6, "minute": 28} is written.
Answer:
{"hour": 12, "minute": 54}
